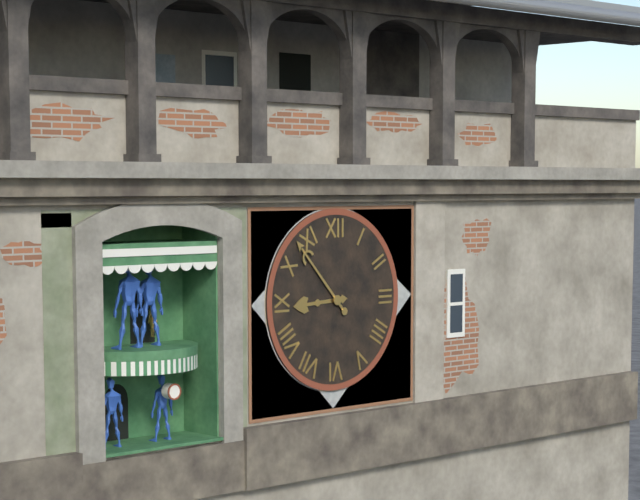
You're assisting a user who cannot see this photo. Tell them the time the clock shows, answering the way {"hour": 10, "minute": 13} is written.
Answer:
{"hour": 8, "minute": 53}
